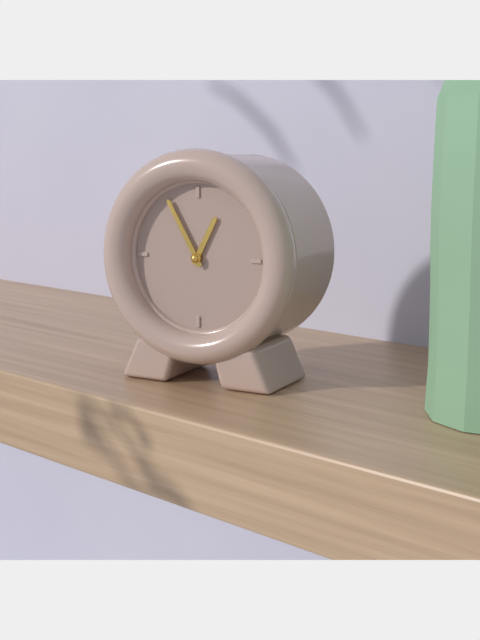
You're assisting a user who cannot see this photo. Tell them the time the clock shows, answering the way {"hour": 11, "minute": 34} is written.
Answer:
{"hour": 12, "minute": 55}
